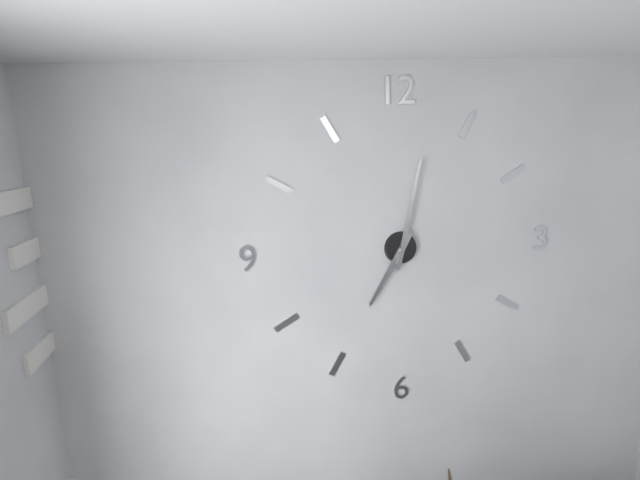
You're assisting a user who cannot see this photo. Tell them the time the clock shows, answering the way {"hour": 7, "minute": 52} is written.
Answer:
{"hour": 7, "minute": 2}
